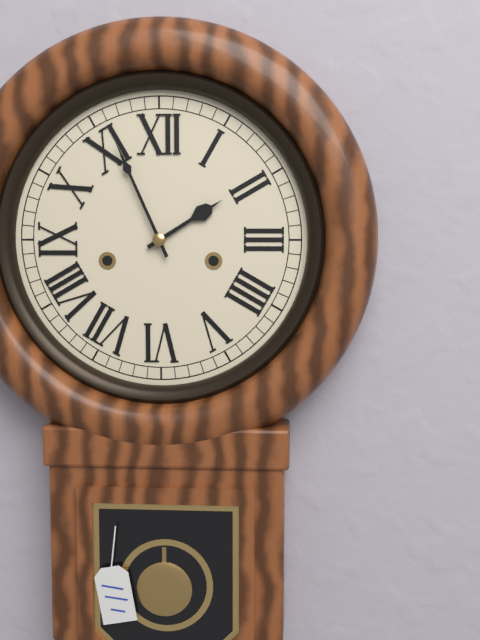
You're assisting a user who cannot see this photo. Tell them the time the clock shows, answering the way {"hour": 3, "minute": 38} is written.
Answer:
{"hour": 1, "minute": 56}
